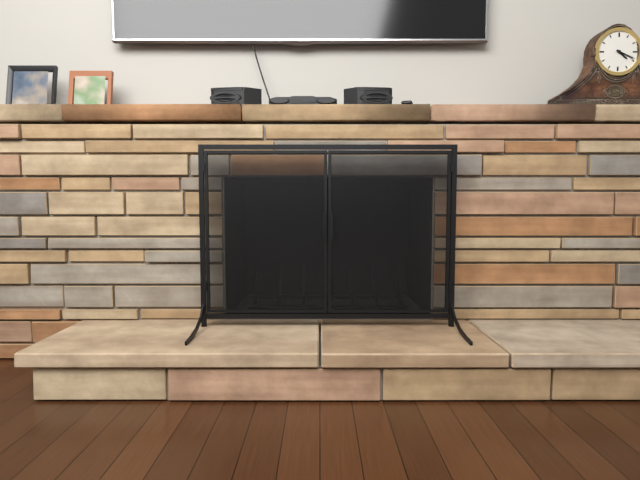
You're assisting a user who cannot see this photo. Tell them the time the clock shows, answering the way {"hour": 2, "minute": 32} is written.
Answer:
{"hour": 4, "minute": 19}
